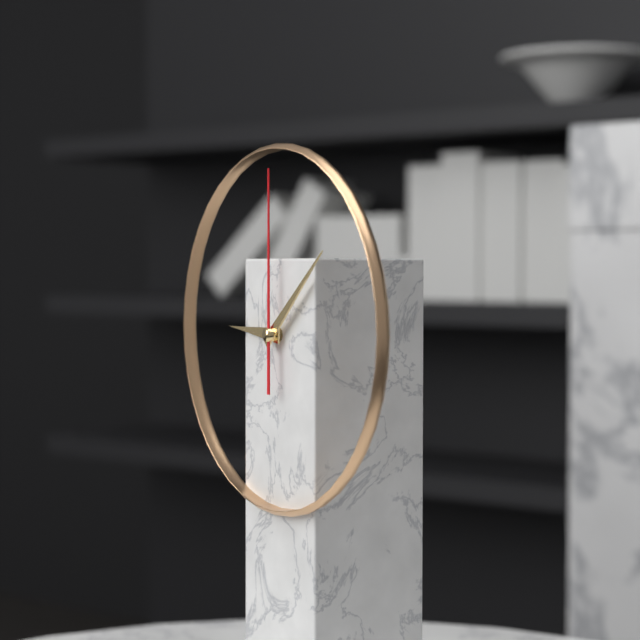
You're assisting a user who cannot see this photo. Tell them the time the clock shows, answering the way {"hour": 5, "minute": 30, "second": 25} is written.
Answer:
{"hour": 9, "minute": 8, "second": 0}
